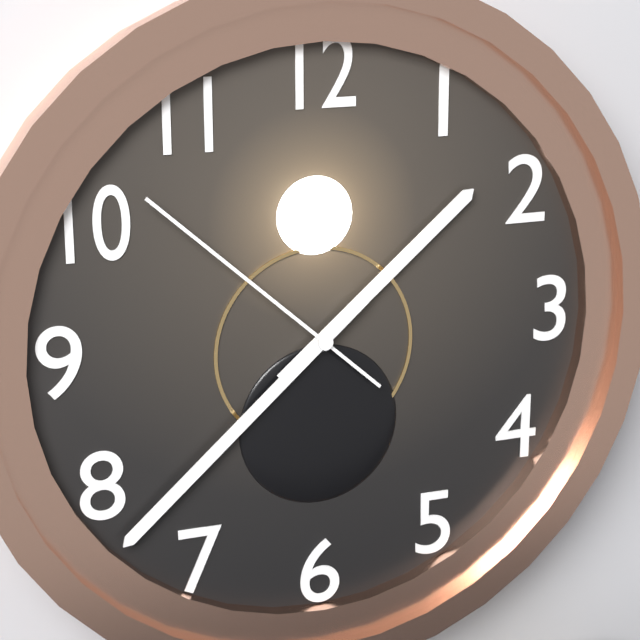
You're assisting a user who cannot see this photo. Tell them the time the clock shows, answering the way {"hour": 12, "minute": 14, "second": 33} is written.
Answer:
{"hour": 1, "minute": 38, "second": 52}
